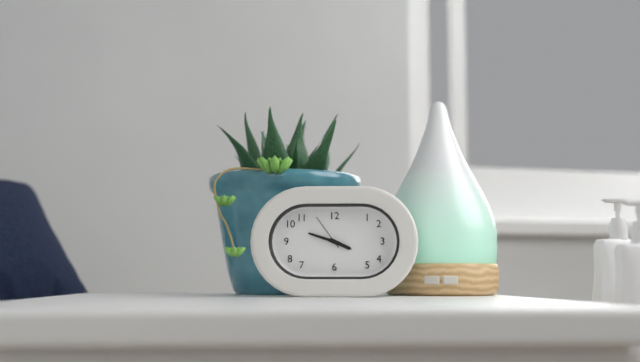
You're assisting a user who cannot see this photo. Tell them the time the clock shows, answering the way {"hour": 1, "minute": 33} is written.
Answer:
{"hour": 3, "minute": 48}
